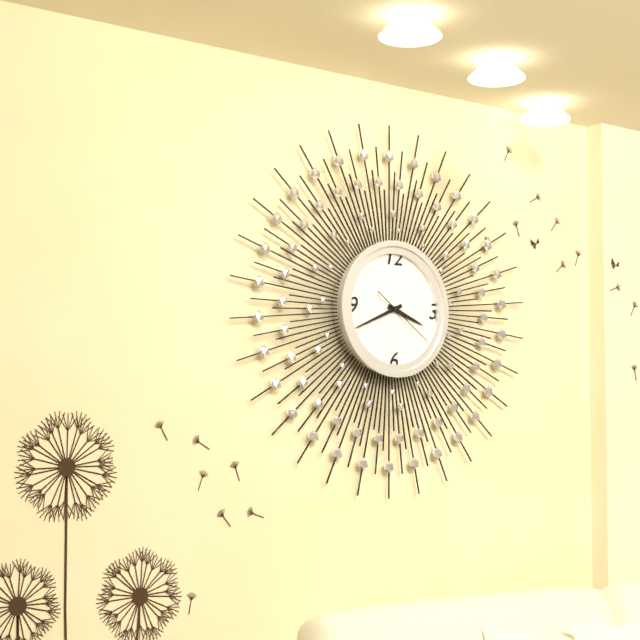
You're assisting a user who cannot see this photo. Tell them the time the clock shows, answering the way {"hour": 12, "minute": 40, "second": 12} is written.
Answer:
{"hour": 3, "minute": 41, "second": 21}
